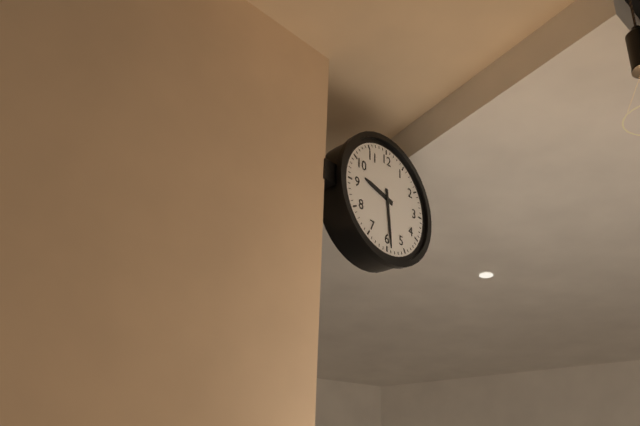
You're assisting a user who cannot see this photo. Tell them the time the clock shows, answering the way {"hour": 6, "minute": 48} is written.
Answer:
{"hour": 9, "minute": 29}
